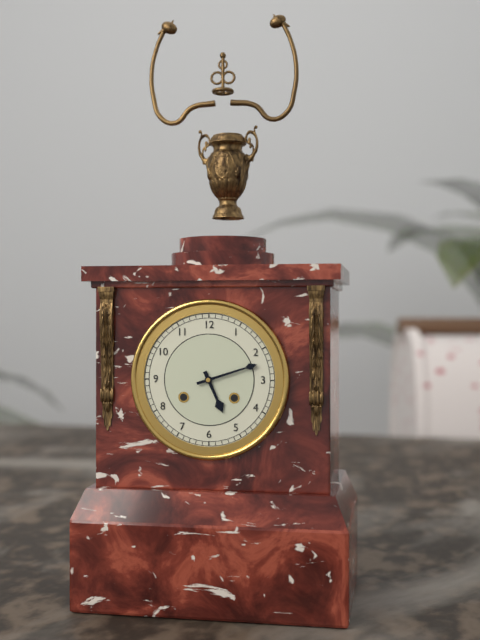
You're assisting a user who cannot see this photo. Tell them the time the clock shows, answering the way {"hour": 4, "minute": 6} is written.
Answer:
{"hour": 5, "minute": 12}
